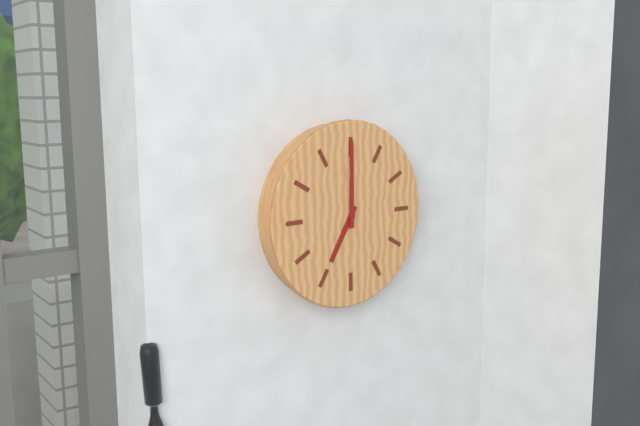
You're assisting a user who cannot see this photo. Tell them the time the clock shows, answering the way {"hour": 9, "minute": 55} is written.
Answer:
{"hour": 7, "minute": 0}
